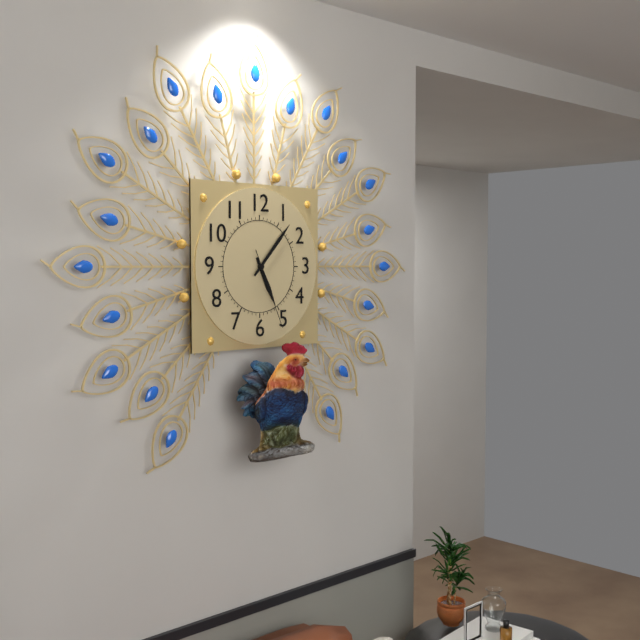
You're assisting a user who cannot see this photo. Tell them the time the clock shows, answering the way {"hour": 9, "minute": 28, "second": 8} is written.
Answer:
{"hour": 5, "minute": 7, "second": 26}
